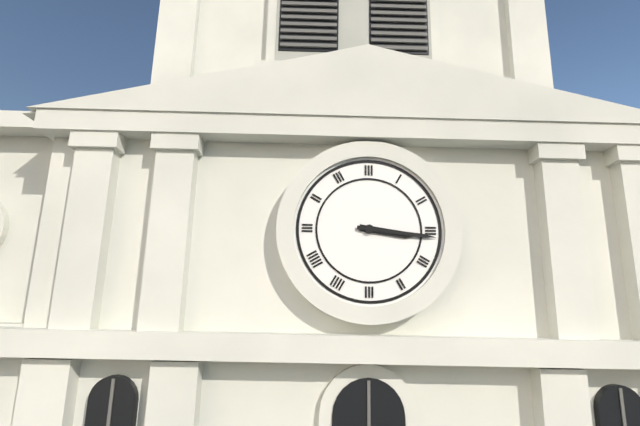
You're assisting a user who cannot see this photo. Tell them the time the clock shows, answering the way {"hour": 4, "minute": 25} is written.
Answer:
{"hour": 3, "minute": 16}
